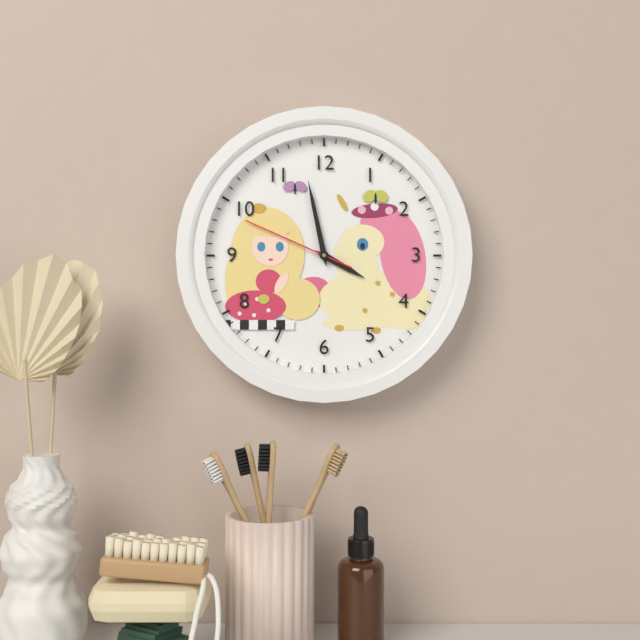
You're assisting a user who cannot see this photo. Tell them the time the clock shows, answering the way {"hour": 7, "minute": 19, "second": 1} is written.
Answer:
{"hour": 3, "minute": 58, "second": 49}
